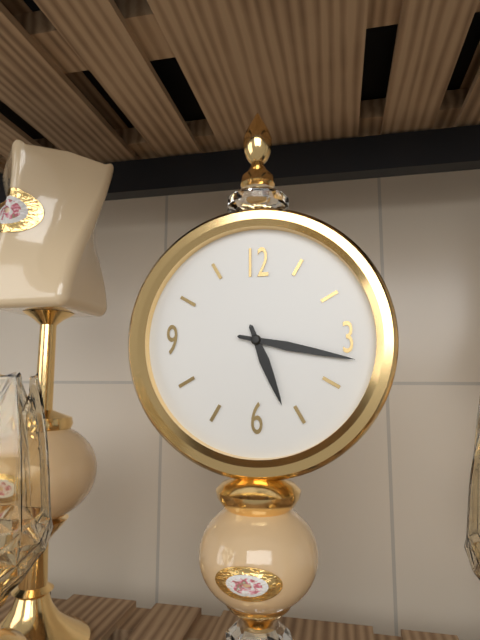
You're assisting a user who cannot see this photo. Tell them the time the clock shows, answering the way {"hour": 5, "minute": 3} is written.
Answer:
{"hour": 5, "minute": 17}
